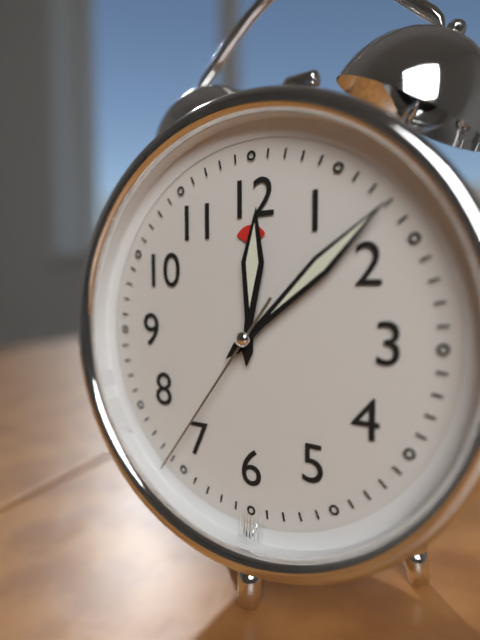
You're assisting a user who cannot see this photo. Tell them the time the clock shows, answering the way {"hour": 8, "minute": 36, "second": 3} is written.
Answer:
{"hour": 12, "minute": 8, "second": 36}
